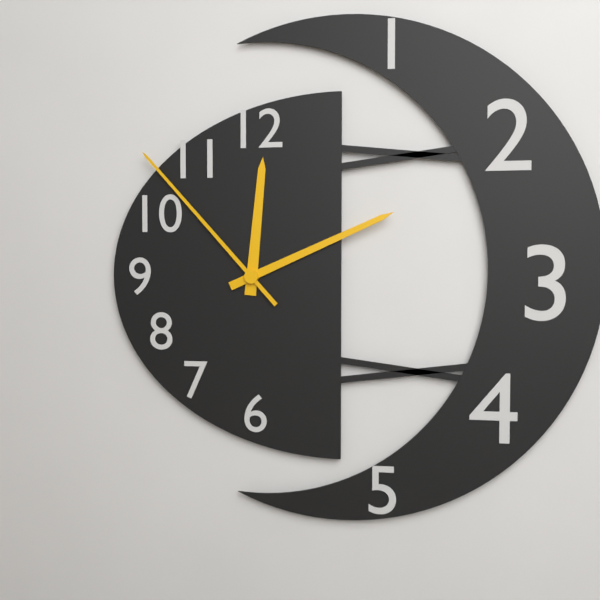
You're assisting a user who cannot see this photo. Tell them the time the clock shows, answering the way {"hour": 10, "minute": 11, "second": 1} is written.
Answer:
{"hour": 12, "minute": 11, "second": 53}
